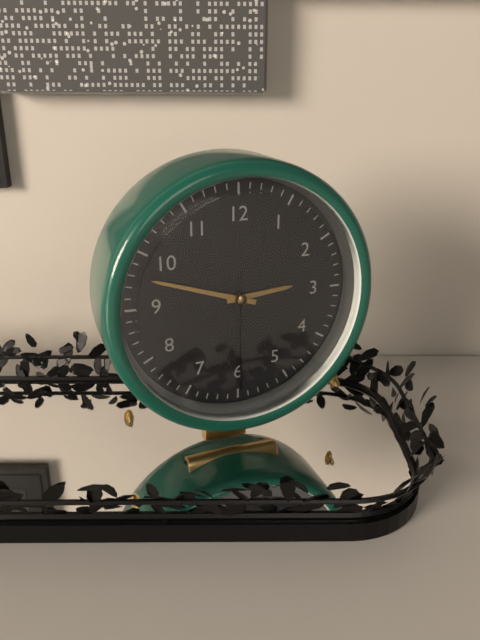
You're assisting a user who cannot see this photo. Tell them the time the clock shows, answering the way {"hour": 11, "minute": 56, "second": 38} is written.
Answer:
{"hour": 2, "minute": 48, "second": 30}
